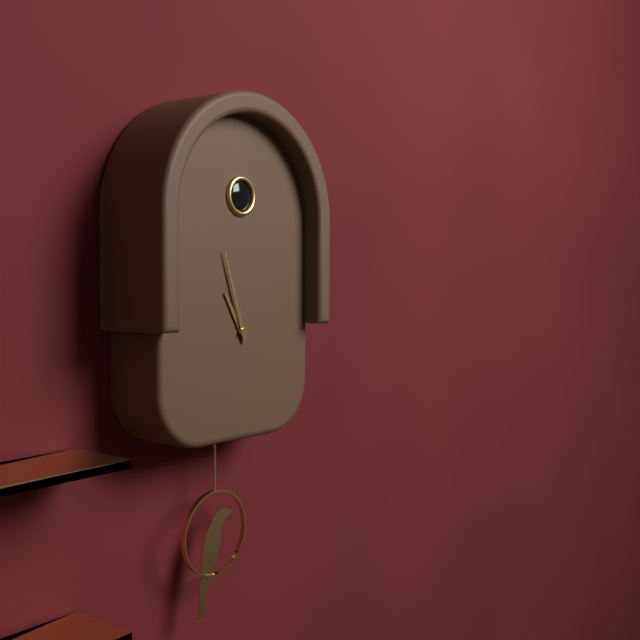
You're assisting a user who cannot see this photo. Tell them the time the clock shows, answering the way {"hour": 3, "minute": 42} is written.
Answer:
{"hour": 10, "minute": 57}
